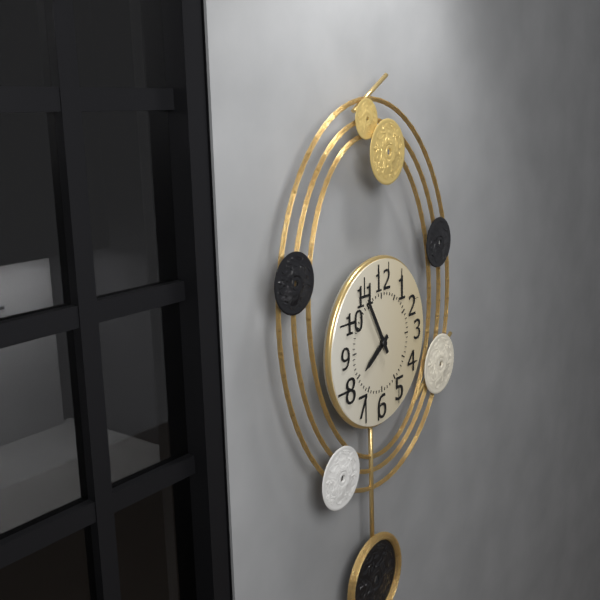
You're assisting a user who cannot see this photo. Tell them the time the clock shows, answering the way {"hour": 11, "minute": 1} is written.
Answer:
{"hour": 7, "minute": 55}
